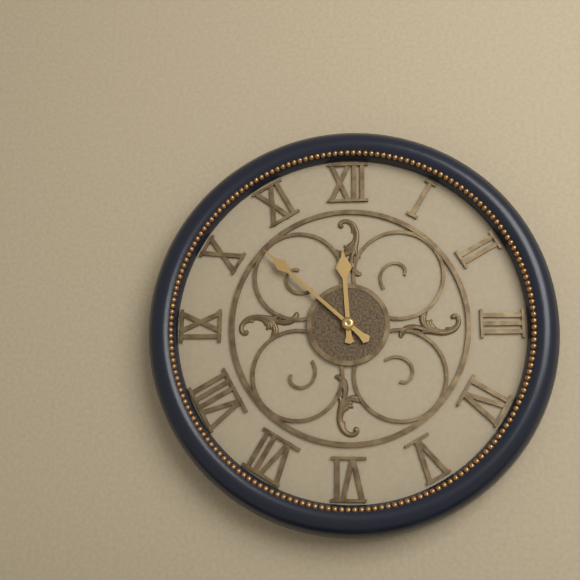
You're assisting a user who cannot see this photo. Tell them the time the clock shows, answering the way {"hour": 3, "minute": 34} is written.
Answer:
{"hour": 11, "minute": 52}
